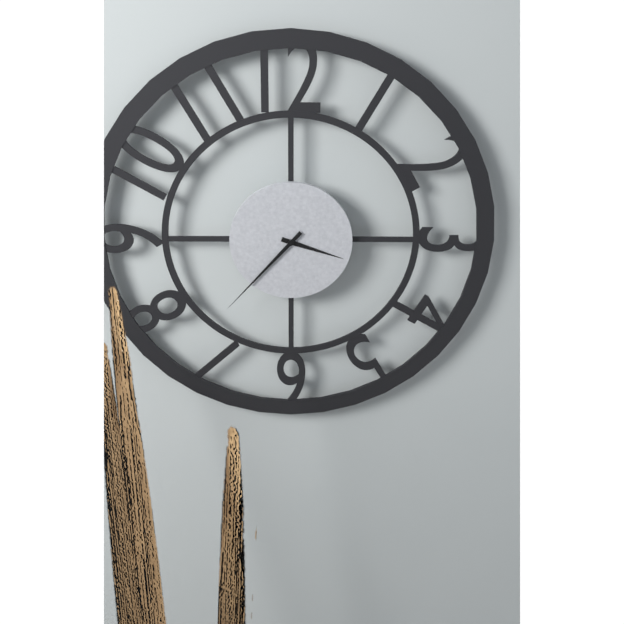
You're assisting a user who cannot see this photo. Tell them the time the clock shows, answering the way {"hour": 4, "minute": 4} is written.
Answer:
{"hour": 3, "minute": 37}
